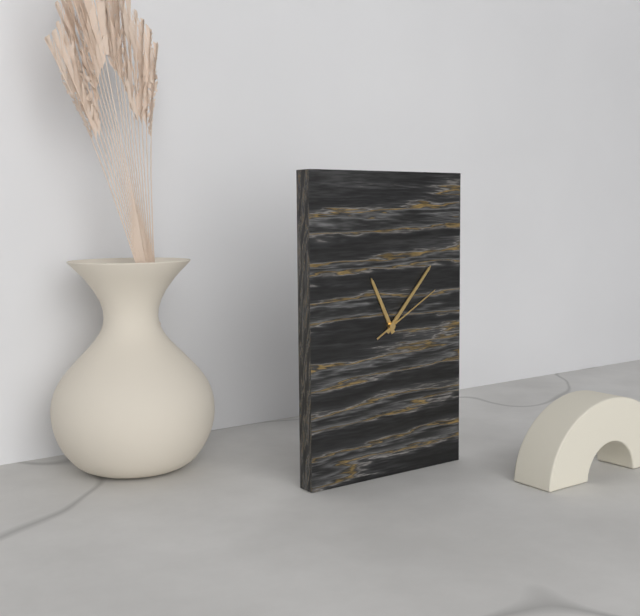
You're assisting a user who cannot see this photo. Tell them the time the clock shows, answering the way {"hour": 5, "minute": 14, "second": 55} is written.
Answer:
{"hour": 11, "minute": 7, "second": 10}
